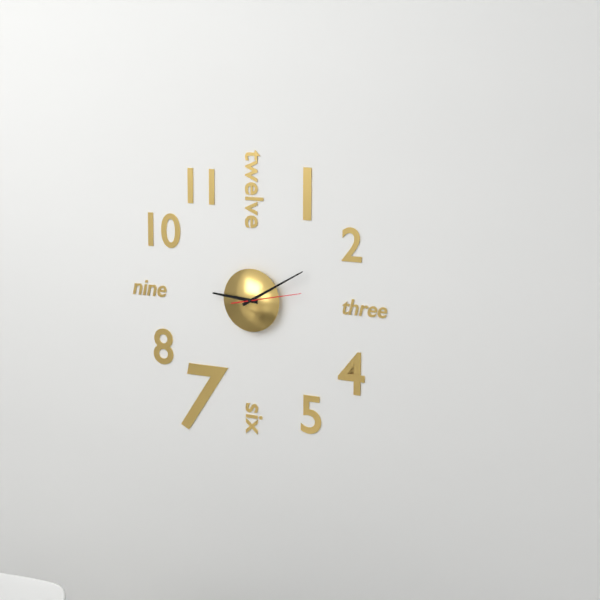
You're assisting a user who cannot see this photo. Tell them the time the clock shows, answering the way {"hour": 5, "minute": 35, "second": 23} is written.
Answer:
{"hour": 9, "minute": 10, "second": 13}
